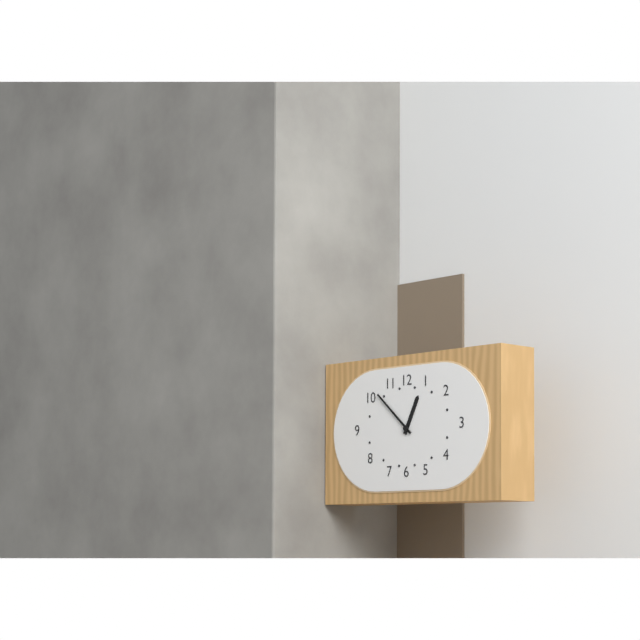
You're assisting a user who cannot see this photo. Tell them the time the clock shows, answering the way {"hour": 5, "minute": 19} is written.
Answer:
{"hour": 12, "minute": 52}
